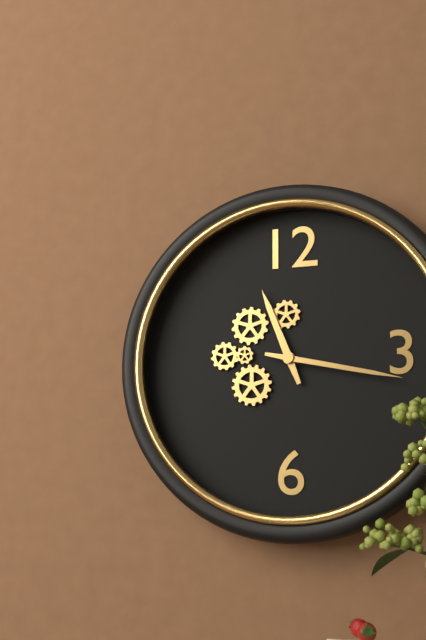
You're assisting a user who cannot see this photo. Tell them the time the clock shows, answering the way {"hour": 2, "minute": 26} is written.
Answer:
{"hour": 11, "minute": 17}
